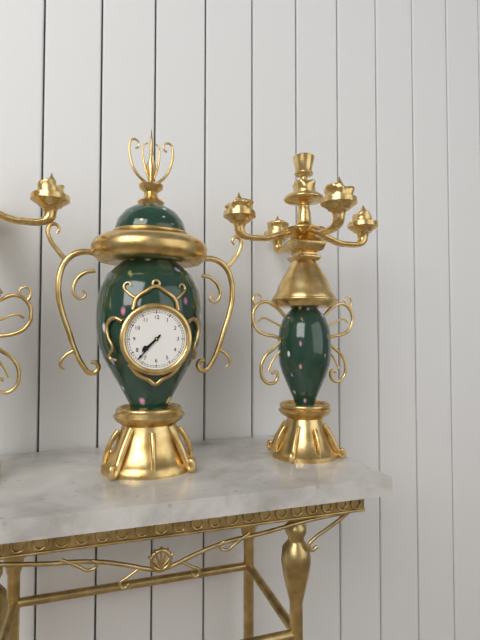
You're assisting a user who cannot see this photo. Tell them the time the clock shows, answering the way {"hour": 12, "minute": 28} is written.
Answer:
{"hour": 7, "minute": 37}
